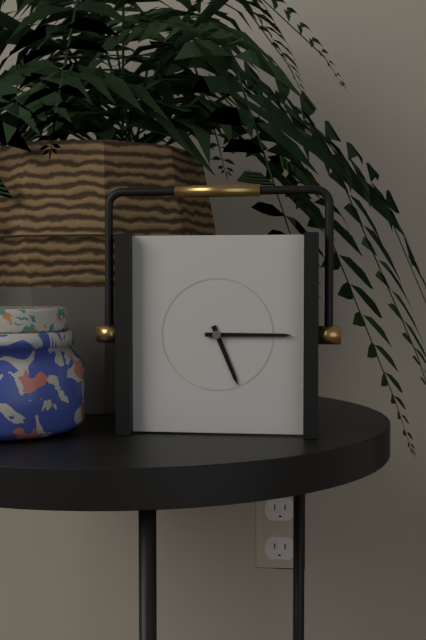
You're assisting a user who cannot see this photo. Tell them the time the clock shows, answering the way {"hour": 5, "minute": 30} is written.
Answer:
{"hour": 5, "minute": 15}
